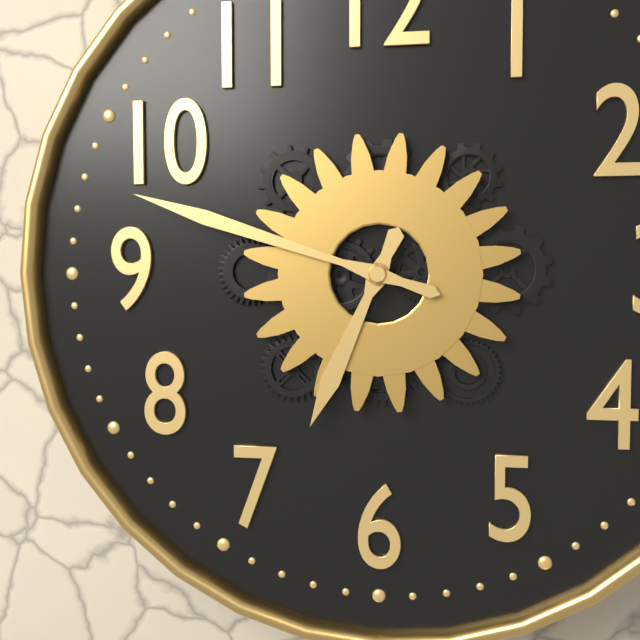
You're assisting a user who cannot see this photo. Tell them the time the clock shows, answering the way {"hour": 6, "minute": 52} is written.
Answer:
{"hour": 6, "minute": 48}
